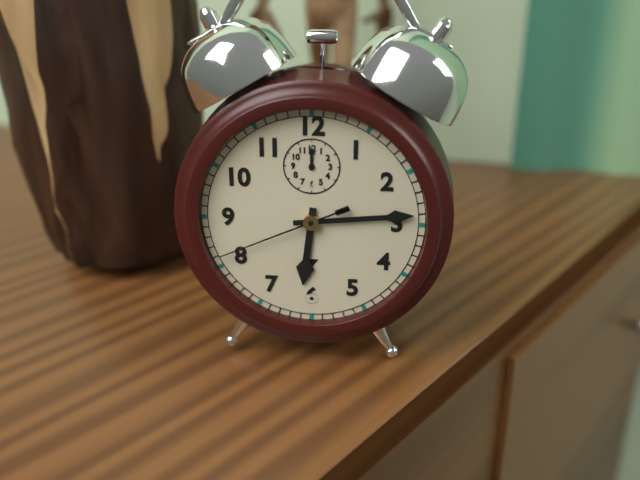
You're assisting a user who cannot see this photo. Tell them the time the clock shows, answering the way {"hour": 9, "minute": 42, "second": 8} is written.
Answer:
{"hour": 6, "minute": 14, "second": 41}
